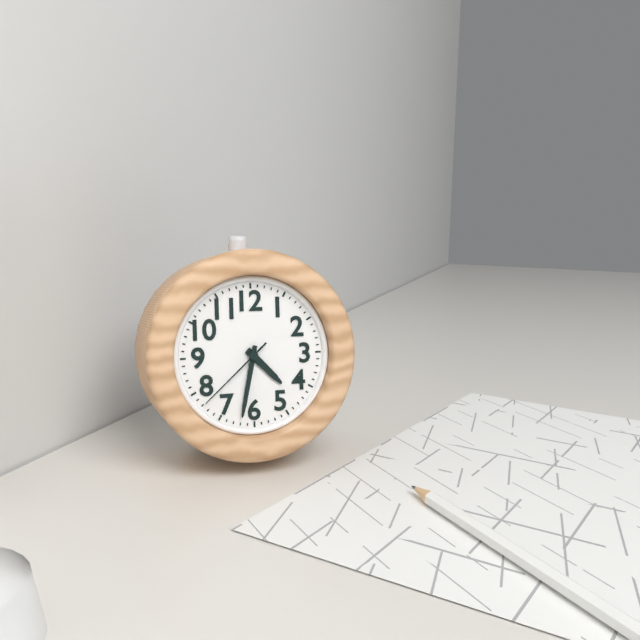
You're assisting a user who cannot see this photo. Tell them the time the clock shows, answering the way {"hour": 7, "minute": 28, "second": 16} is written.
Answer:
{"hour": 4, "minute": 32, "second": 38}
